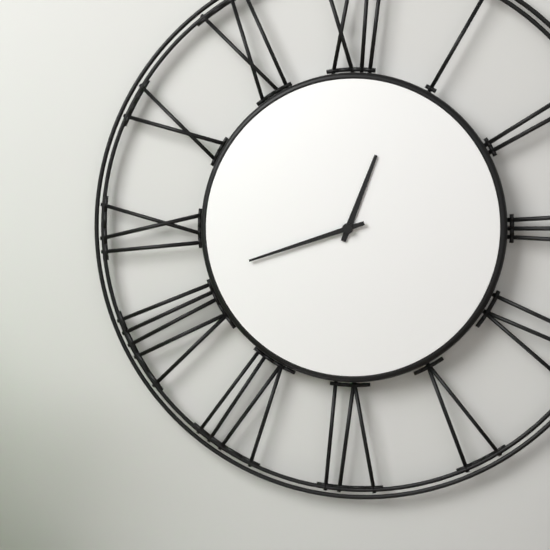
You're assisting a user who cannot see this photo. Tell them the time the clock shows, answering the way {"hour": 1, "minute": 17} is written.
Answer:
{"hour": 12, "minute": 42}
